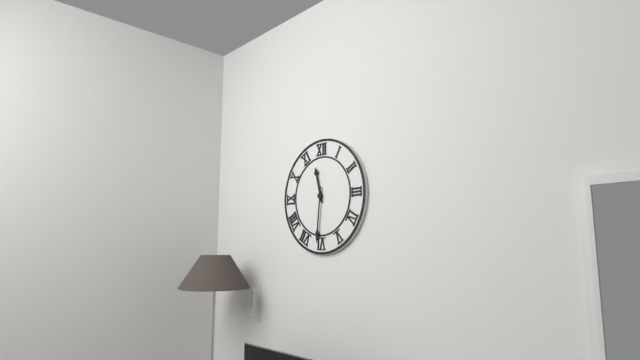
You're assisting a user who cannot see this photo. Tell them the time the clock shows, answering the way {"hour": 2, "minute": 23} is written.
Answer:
{"hour": 11, "minute": 31}
